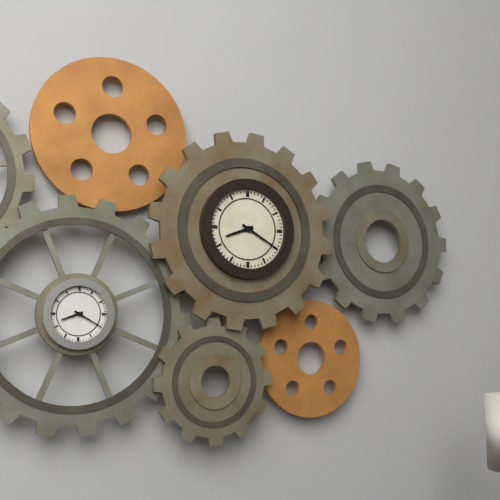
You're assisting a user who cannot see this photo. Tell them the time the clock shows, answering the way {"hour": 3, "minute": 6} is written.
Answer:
{"hour": 8, "minute": 20}
